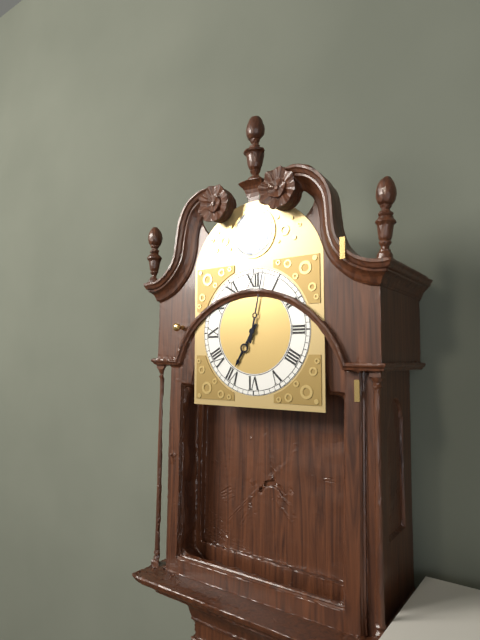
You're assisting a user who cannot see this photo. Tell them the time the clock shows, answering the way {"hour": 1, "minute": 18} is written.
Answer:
{"hour": 7, "minute": 2}
